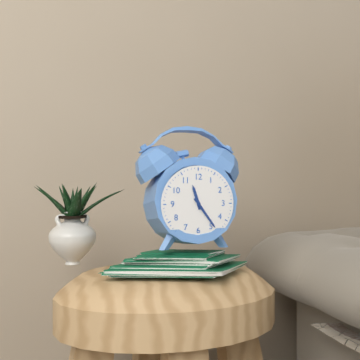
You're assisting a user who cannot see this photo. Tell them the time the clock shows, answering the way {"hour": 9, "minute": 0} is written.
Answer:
{"hour": 11, "minute": 24}
